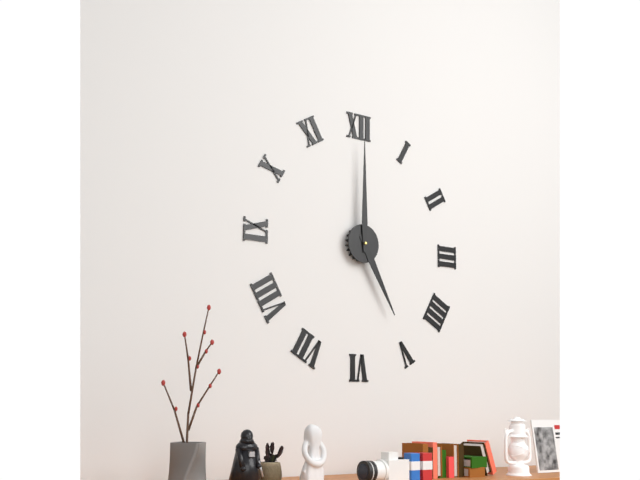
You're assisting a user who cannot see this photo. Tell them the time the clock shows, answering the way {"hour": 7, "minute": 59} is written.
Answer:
{"hour": 5, "minute": 0}
